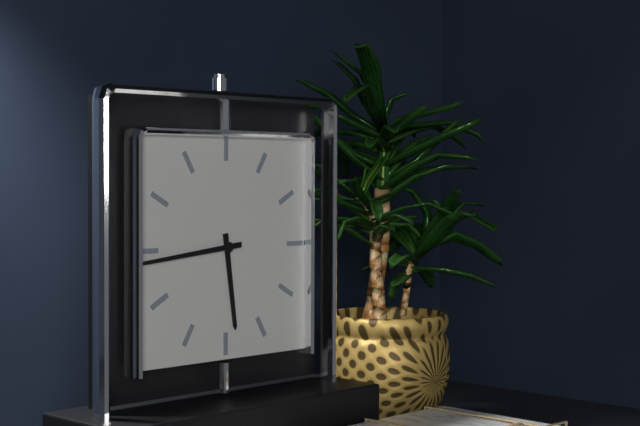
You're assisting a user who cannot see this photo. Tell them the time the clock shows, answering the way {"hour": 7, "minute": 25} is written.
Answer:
{"hour": 5, "minute": 44}
